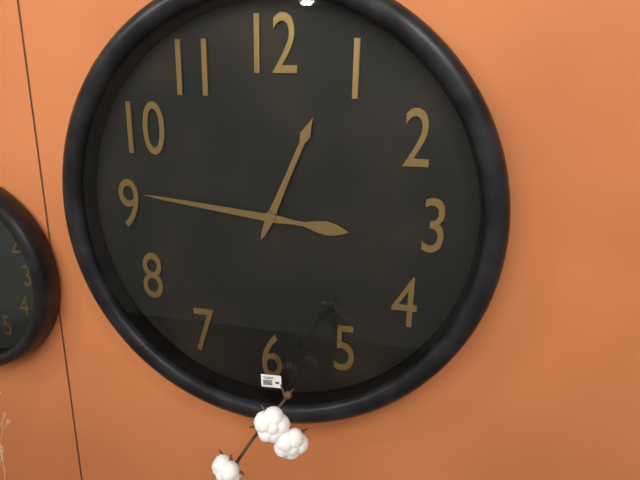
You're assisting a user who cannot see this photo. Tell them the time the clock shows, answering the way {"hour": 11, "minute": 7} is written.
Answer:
{"hour": 12, "minute": 46}
